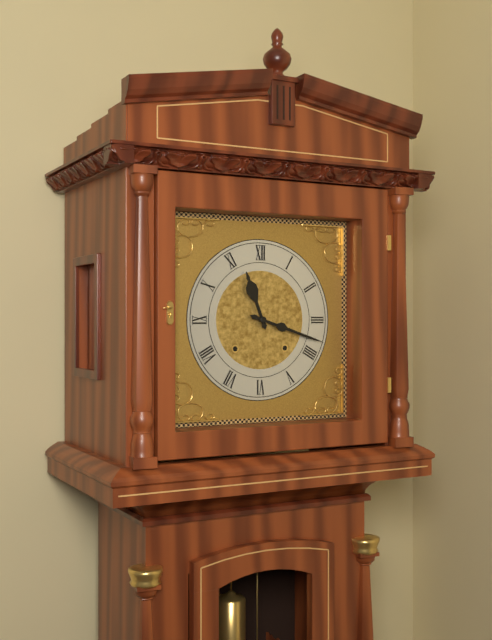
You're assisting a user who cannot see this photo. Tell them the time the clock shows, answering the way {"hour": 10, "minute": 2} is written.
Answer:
{"hour": 11, "minute": 18}
